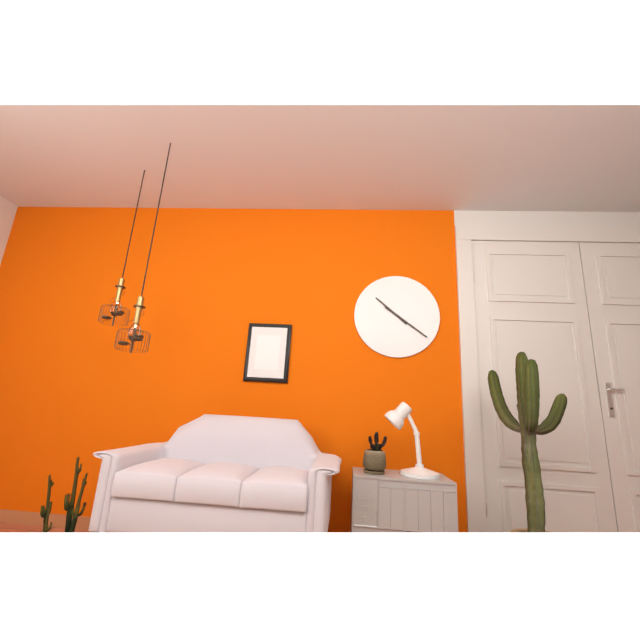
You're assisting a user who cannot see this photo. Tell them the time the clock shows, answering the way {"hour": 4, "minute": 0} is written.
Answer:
{"hour": 10, "minute": 21}
